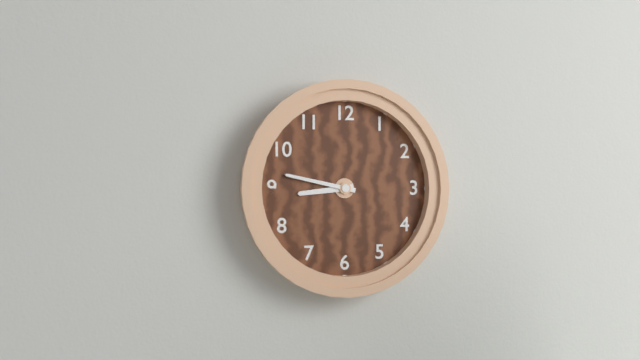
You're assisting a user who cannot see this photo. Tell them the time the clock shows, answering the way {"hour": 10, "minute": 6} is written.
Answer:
{"hour": 8, "minute": 47}
